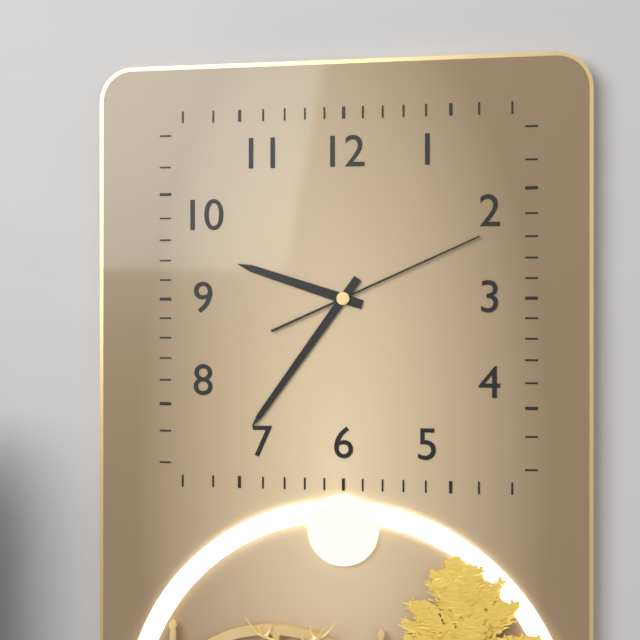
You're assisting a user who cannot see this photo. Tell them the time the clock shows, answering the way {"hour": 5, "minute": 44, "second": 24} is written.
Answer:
{"hour": 9, "minute": 36, "second": 11}
